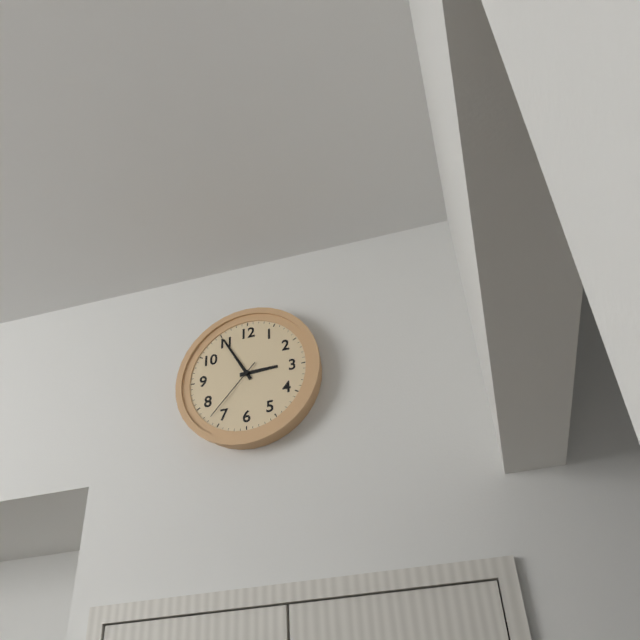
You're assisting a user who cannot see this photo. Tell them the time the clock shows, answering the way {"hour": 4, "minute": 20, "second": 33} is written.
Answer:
{"hour": 2, "minute": 55, "second": 37}
